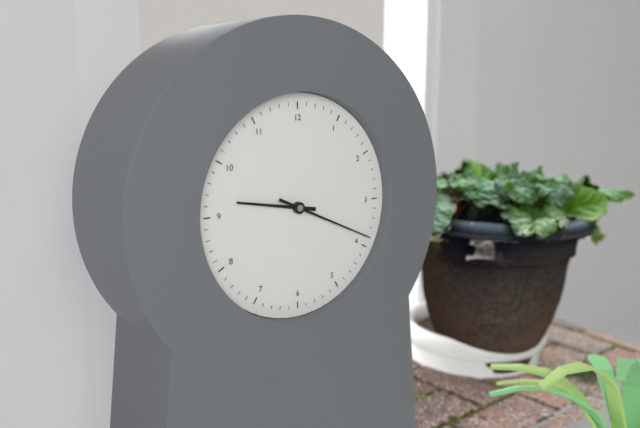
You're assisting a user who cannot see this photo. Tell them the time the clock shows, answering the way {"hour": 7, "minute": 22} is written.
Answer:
{"hour": 9, "minute": 19}
